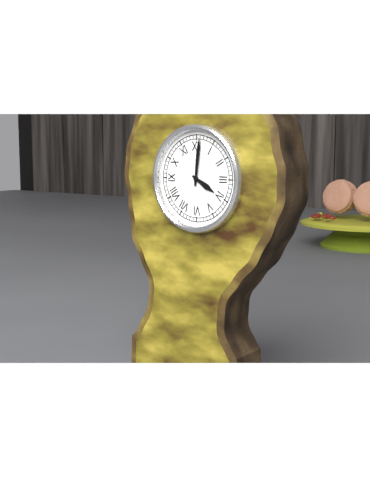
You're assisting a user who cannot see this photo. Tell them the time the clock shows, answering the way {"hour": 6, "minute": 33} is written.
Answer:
{"hour": 4, "minute": 1}
